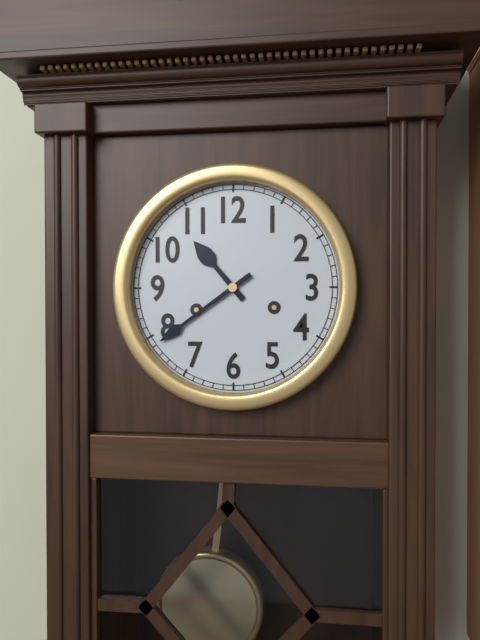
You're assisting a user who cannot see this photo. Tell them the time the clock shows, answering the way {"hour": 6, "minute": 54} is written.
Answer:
{"hour": 10, "minute": 39}
